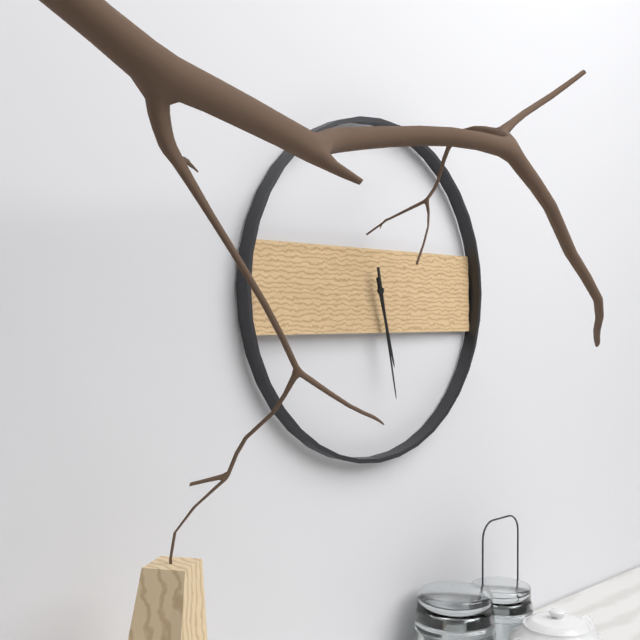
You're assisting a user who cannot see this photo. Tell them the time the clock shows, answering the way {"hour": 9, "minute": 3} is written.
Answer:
{"hour": 5, "minute": 28}
